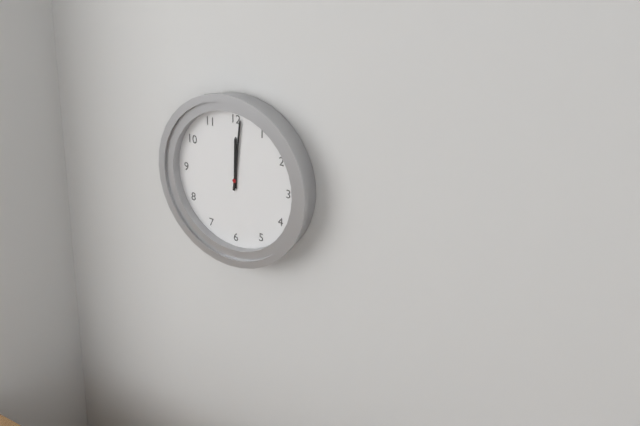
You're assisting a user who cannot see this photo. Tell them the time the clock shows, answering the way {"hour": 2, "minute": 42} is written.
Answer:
{"hour": 12, "minute": 1}
